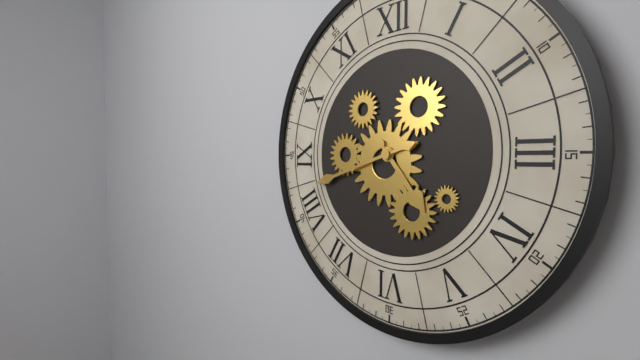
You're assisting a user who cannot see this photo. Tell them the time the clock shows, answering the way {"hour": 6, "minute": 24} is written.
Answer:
{"hour": 4, "minute": 42}
